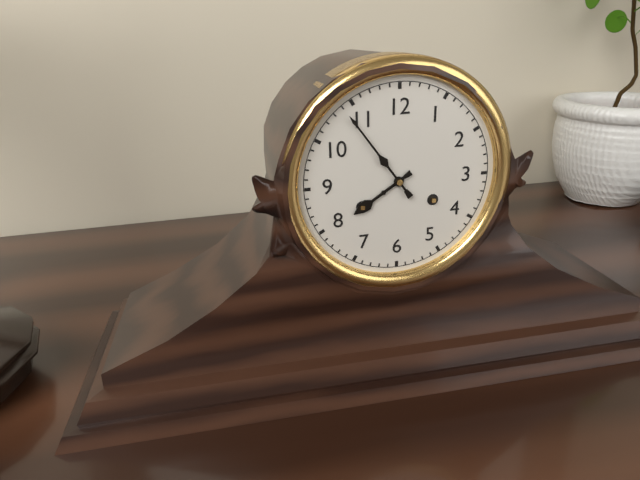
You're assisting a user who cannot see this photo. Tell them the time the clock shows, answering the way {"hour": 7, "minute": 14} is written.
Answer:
{"hour": 7, "minute": 54}
